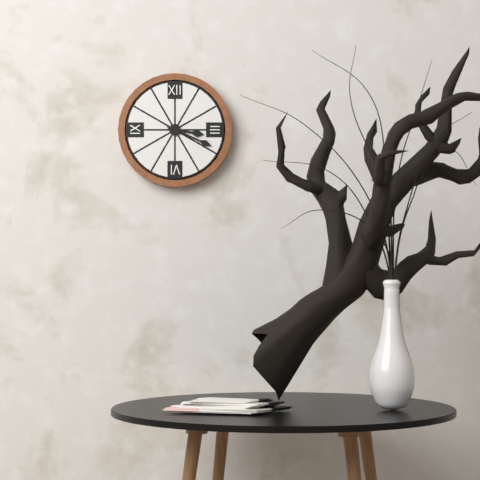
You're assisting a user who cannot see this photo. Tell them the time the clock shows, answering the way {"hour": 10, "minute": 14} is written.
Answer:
{"hour": 3, "minute": 19}
